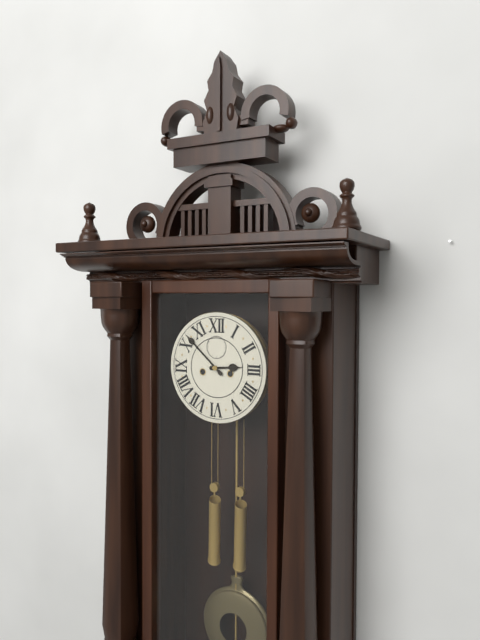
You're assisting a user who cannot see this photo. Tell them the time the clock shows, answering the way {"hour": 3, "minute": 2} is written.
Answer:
{"hour": 2, "minute": 52}
